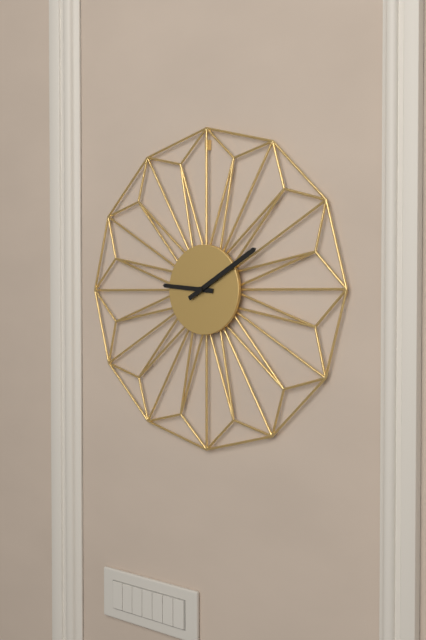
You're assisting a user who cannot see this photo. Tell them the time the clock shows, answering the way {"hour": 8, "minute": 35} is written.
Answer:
{"hour": 9, "minute": 10}
